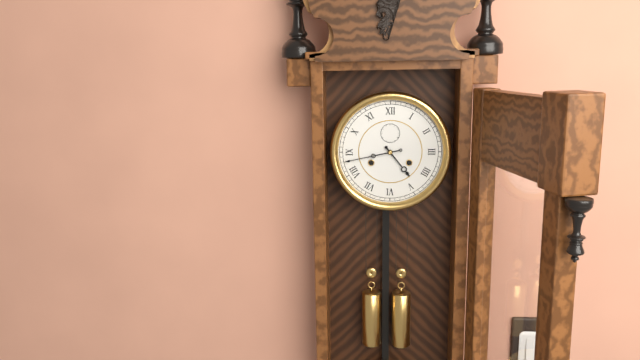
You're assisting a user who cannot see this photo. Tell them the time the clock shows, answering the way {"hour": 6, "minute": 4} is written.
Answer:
{"hour": 4, "minute": 43}
